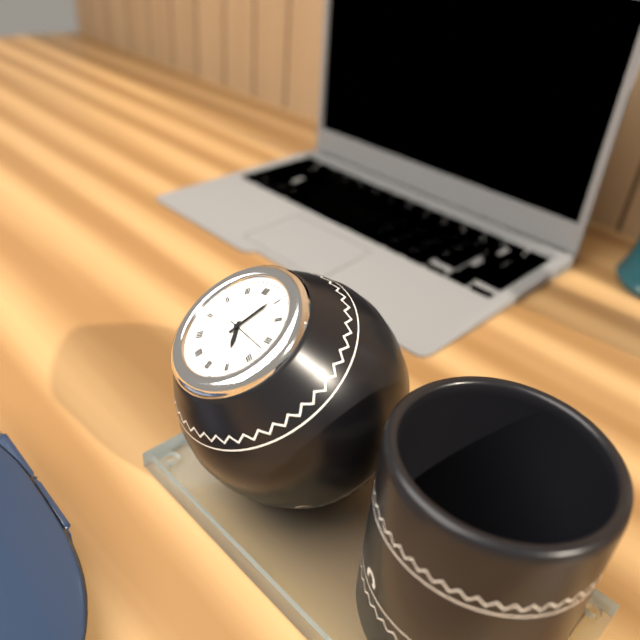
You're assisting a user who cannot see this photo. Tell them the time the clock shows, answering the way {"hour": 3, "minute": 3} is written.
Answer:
{"hour": 5, "minute": 4}
